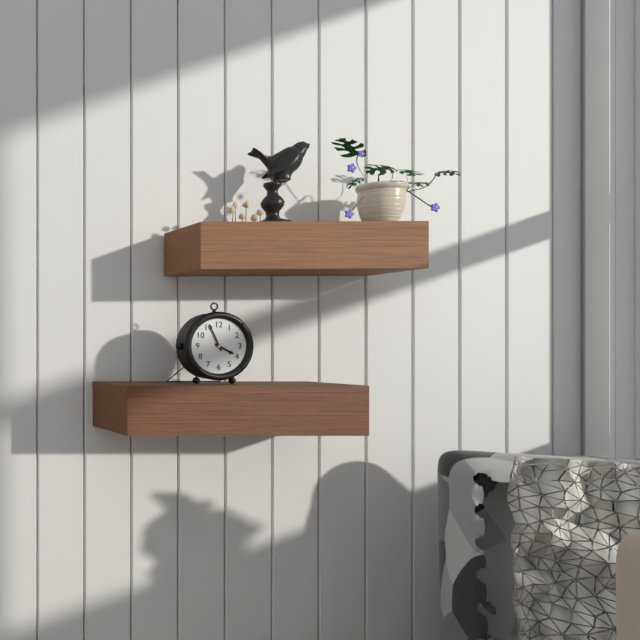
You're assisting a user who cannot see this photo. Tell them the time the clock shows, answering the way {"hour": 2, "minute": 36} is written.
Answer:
{"hour": 3, "minute": 56}
